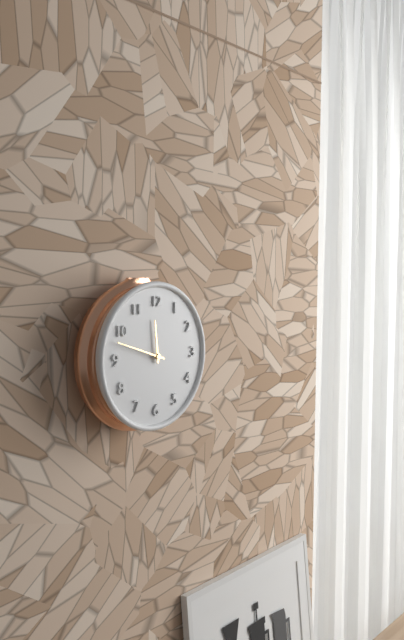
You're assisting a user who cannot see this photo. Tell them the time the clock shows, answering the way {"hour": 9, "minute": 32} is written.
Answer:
{"hour": 11, "minute": 48}
